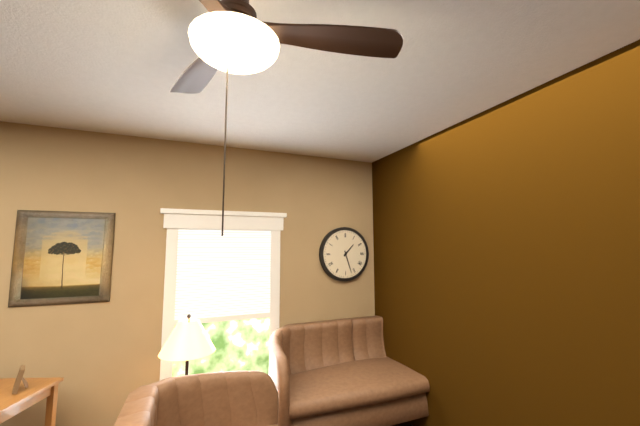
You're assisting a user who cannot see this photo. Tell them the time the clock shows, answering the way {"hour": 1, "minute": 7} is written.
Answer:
{"hour": 1, "minute": 27}
